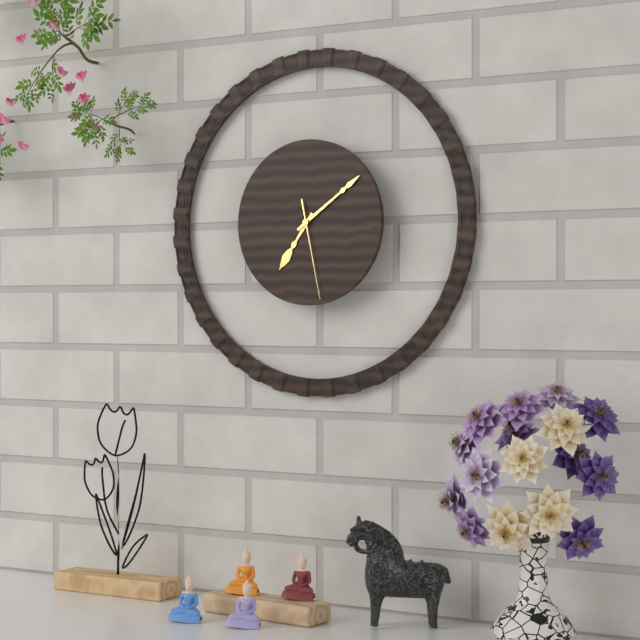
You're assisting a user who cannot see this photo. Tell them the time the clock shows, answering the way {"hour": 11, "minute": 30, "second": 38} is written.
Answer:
{"hour": 7, "minute": 9, "second": 28}
